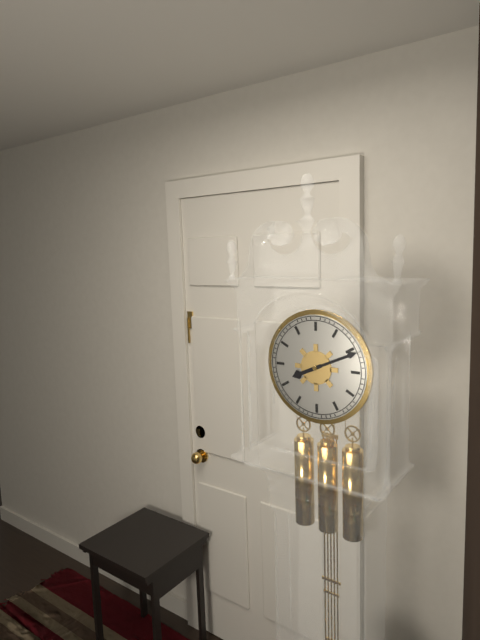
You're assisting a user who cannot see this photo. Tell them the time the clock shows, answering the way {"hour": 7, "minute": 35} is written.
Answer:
{"hour": 8, "minute": 11}
